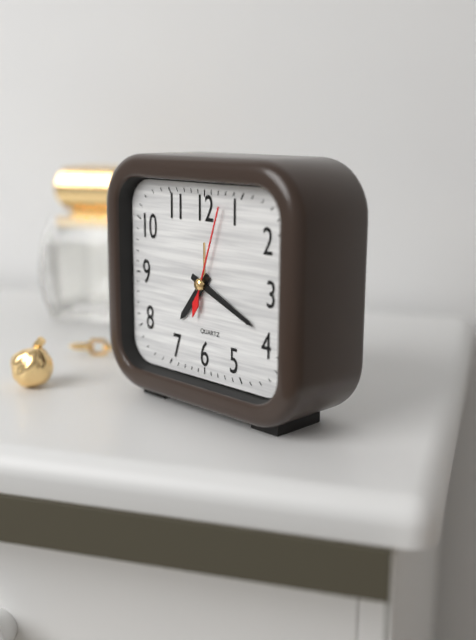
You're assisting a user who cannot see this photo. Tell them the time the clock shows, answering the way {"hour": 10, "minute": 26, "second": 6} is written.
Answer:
{"hour": 7, "minute": 19, "second": 3}
